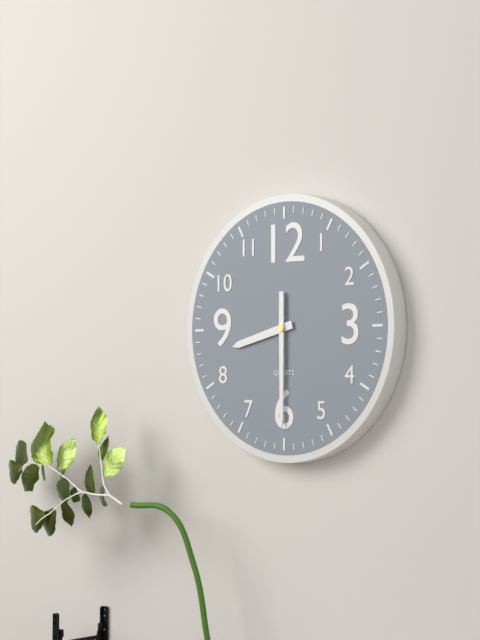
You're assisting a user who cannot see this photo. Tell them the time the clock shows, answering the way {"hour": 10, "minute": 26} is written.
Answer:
{"hour": 8, "minute": 30}
